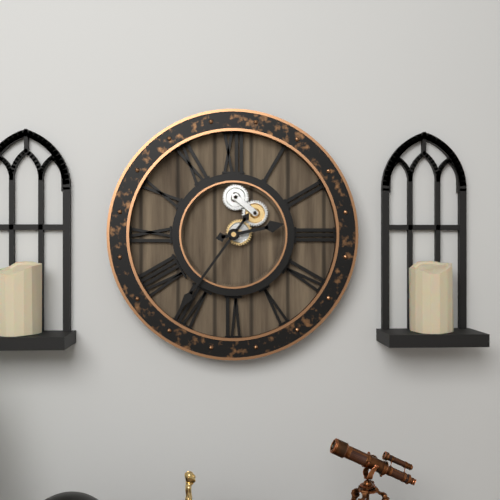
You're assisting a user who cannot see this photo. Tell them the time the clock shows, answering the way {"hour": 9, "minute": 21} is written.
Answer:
{"hour": 2, "minute": 36}
